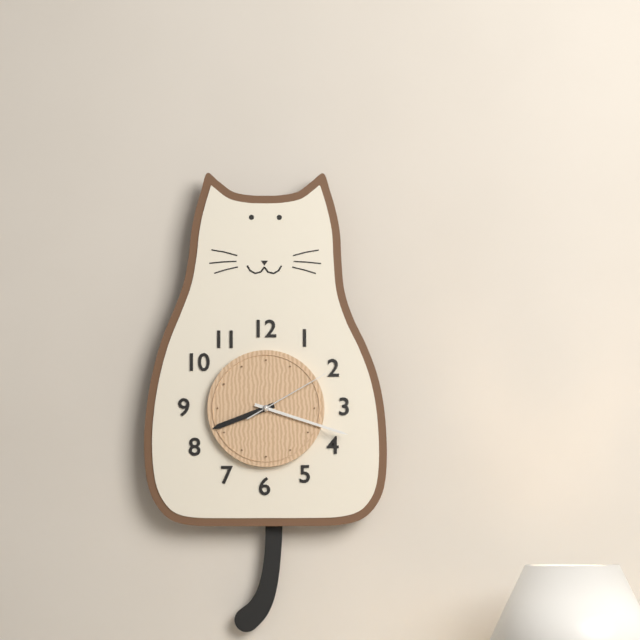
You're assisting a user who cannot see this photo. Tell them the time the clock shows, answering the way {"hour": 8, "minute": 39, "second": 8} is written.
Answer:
{"hour": 8, "minute": 18, "second": 10}
